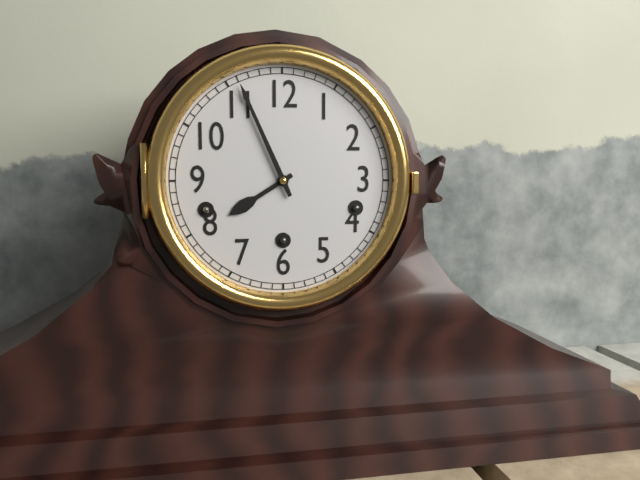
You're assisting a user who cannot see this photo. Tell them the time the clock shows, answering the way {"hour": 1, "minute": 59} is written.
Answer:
{"hour": 7, "minute": 56}
